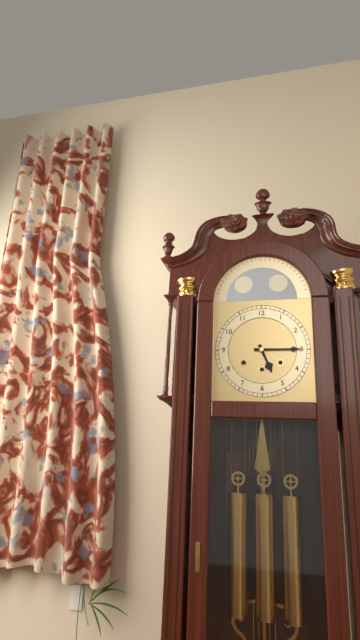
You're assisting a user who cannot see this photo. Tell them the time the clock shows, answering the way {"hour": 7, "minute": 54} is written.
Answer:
{"hour": 5, "minute": 15}
